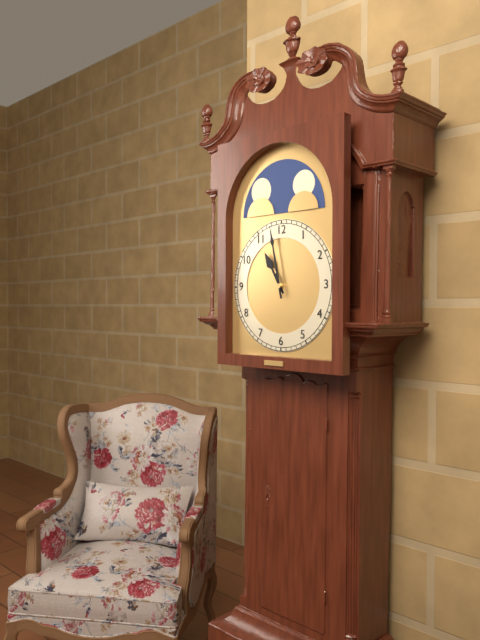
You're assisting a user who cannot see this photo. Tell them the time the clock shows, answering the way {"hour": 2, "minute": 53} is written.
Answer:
{"hour": 10, "minute": 58}
